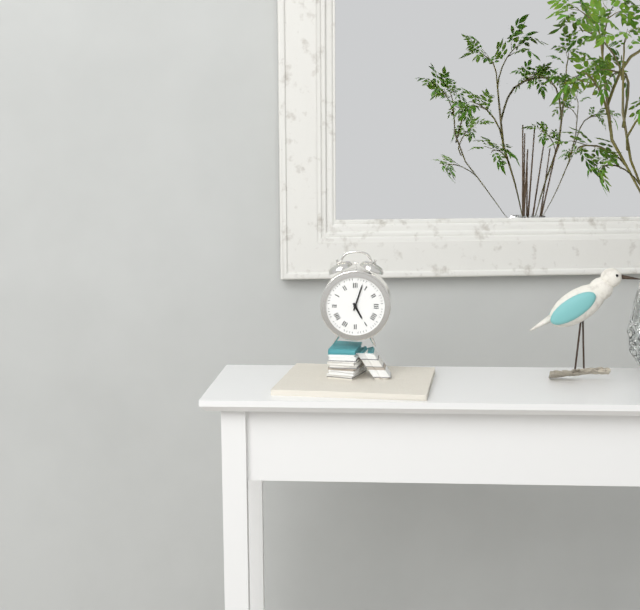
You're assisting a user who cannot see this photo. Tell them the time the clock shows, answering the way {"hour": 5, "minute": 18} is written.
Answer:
{"hour": 5, "minute": 3}
